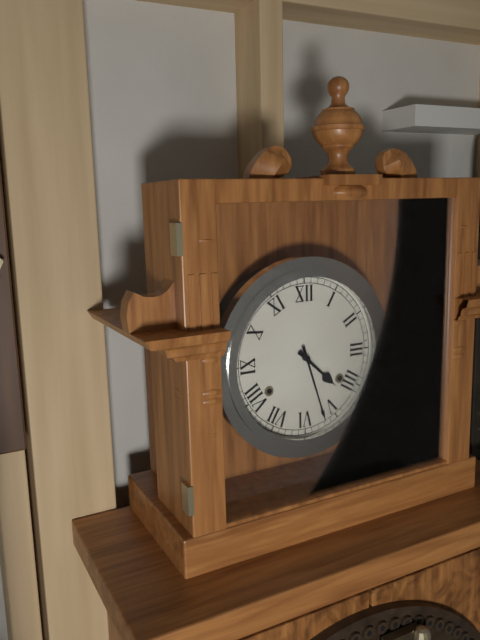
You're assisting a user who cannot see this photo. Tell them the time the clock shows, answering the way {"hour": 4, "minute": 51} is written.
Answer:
{"hour": 4, "minute": 27}
